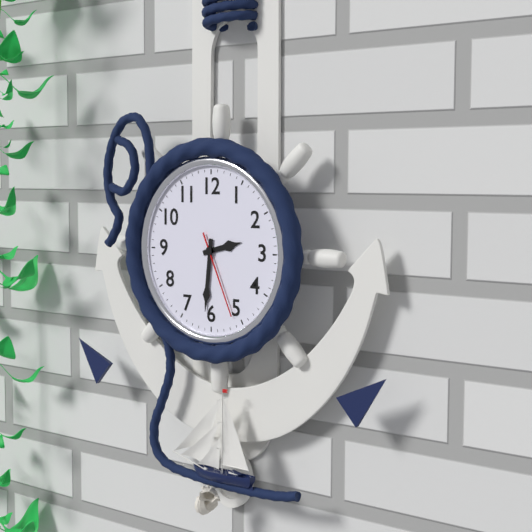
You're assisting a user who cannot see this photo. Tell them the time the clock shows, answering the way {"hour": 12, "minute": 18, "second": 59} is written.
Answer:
{"hour": 2, "minute": 31, "second": 26}
